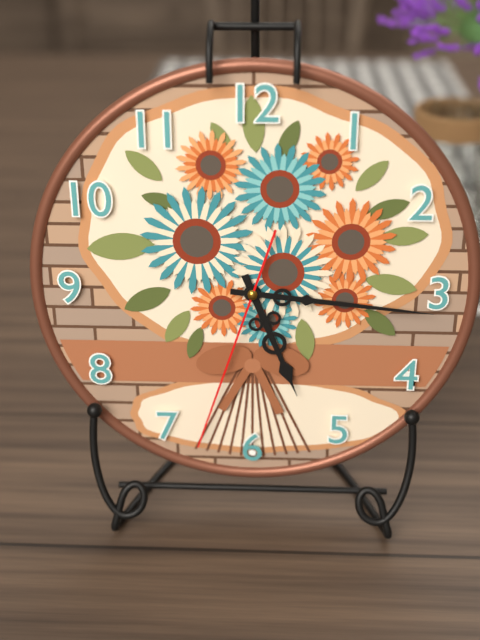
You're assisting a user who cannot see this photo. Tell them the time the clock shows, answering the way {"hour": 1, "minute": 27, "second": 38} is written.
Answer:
{"hour": 5, "minute": 16, "second": 33}
